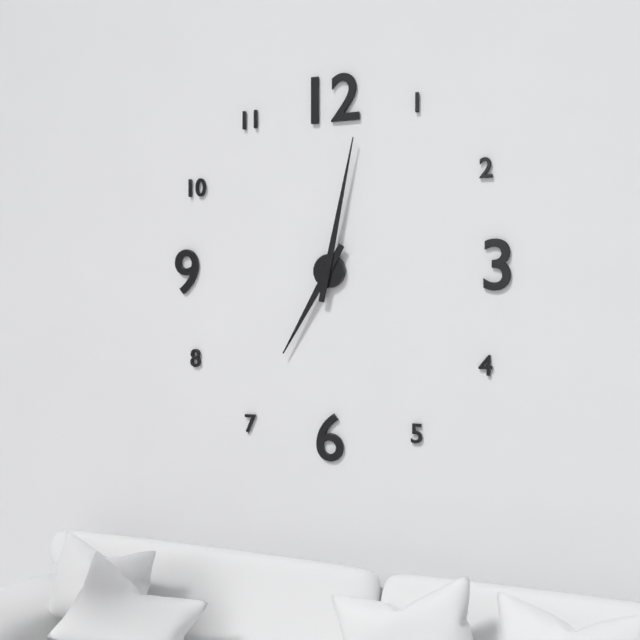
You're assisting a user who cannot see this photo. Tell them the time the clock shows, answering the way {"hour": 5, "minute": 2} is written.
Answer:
{"hour": 7, "minute": 2}
